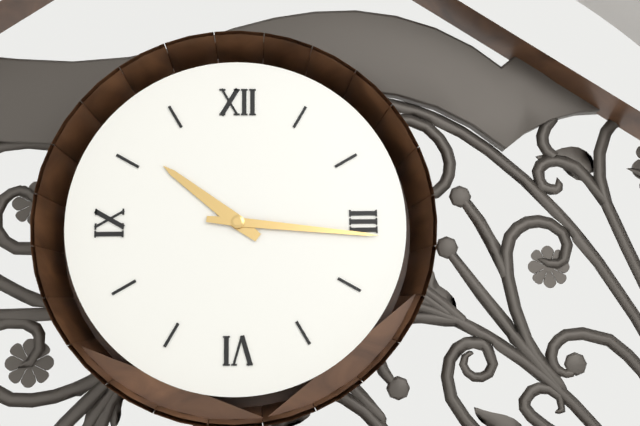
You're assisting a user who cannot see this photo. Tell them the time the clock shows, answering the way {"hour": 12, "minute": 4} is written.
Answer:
{"hour": 10, "minute": 16}
